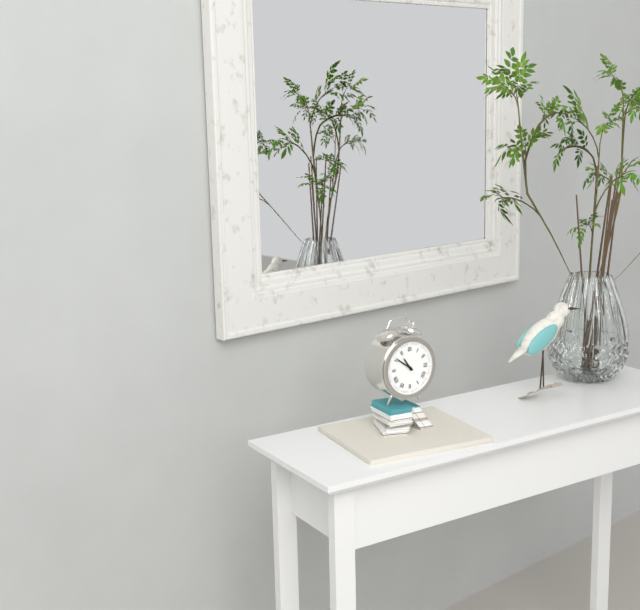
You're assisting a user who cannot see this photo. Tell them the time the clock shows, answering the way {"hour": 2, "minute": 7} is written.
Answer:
{"hour": 10, "minute": 51}
